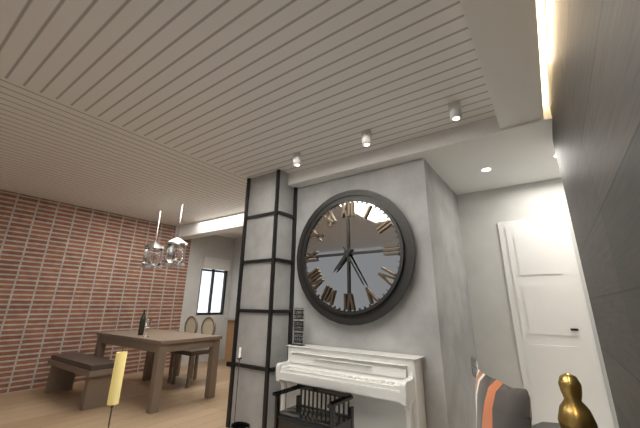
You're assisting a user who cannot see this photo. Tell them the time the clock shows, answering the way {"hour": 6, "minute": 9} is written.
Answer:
{"hour": 7, "minute": 25}
